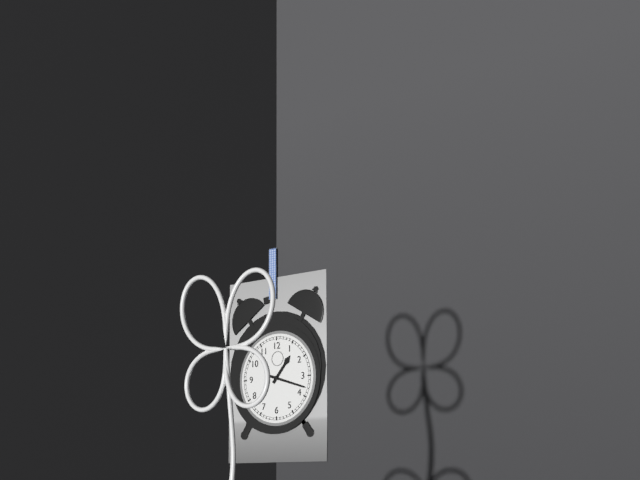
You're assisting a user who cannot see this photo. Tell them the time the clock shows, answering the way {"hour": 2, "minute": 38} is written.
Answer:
{"hour": 1, "minute": 18}
